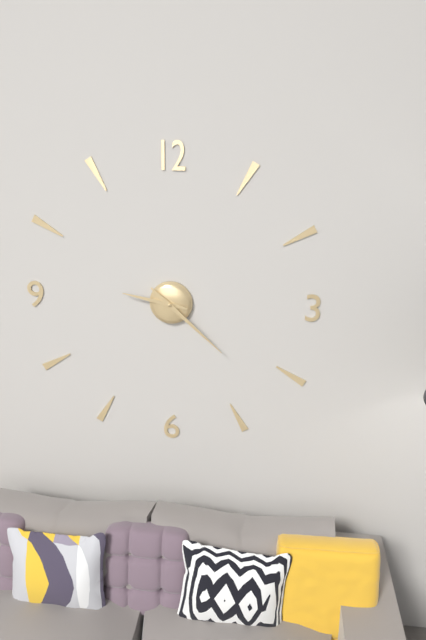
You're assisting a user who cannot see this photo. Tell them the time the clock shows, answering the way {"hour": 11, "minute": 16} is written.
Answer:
{"hour": 9, "minute": 22}
